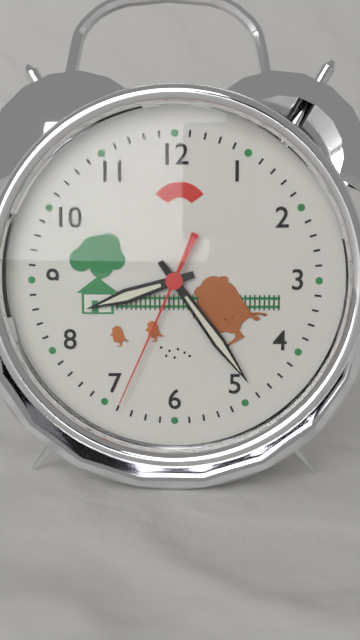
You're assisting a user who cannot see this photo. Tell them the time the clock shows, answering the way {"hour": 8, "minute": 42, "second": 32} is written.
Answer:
{"hour": 8, "minute": 24, "second": 34}
